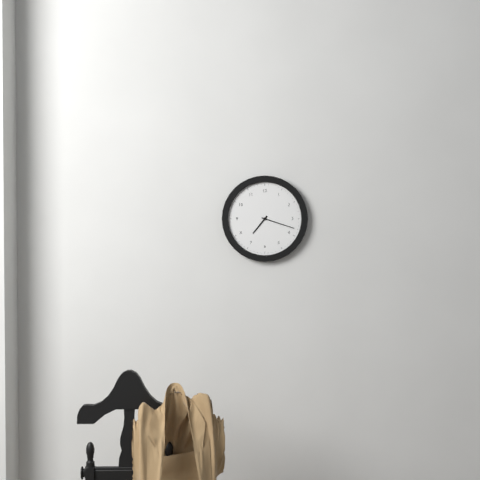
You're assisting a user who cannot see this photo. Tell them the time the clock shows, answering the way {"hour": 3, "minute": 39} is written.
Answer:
{"hour": 7, "minute": 18}
